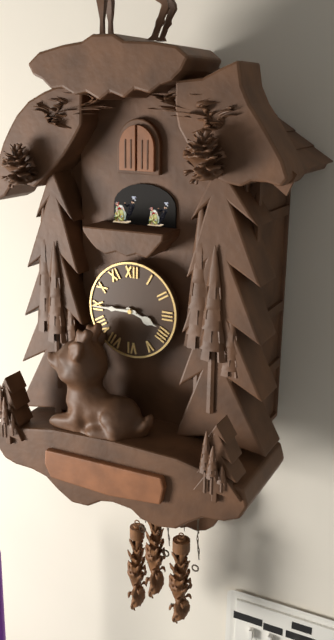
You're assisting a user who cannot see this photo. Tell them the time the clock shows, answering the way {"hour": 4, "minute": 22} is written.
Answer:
{"hour": 3, "minute": 45}
